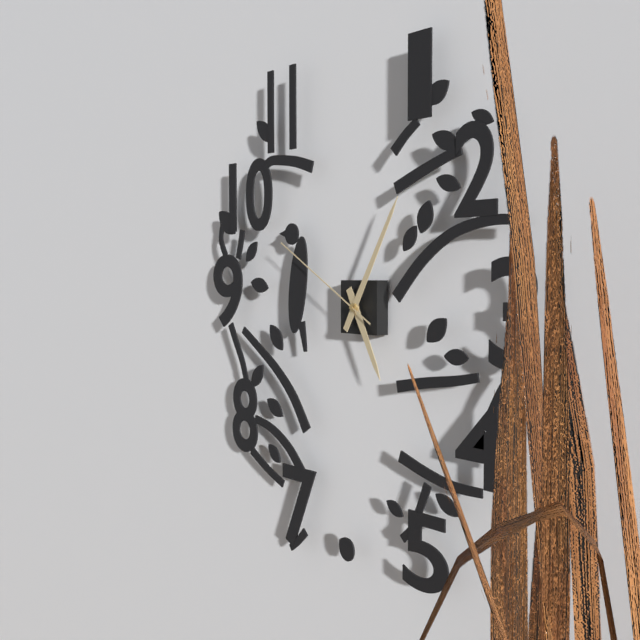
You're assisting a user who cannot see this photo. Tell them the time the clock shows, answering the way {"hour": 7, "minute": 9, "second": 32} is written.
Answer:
{"hour": 5, "minute": 5, "second": 50}
